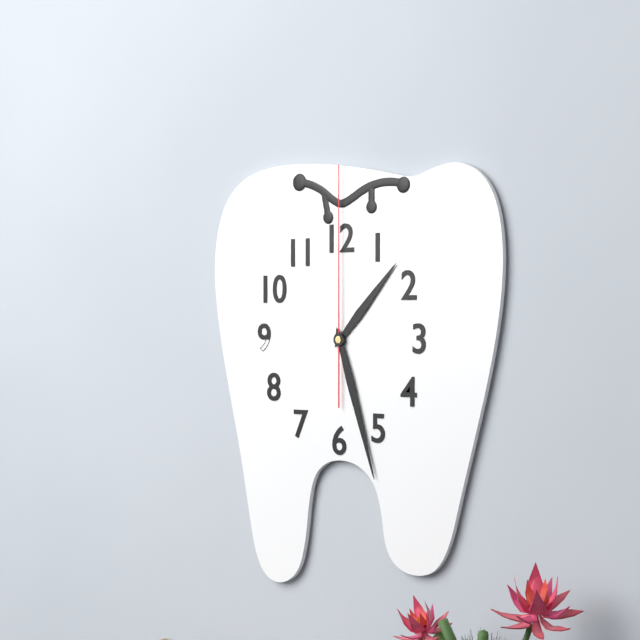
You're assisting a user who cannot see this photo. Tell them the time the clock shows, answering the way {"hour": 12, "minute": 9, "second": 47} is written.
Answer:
{"hour": 1, "minute": 27, "second": 0}
